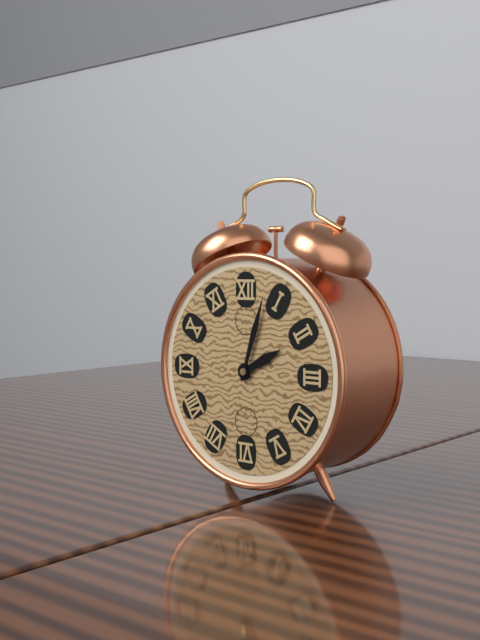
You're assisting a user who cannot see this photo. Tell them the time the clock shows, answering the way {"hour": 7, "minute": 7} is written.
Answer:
{"hour": 2, "minute": 3}
